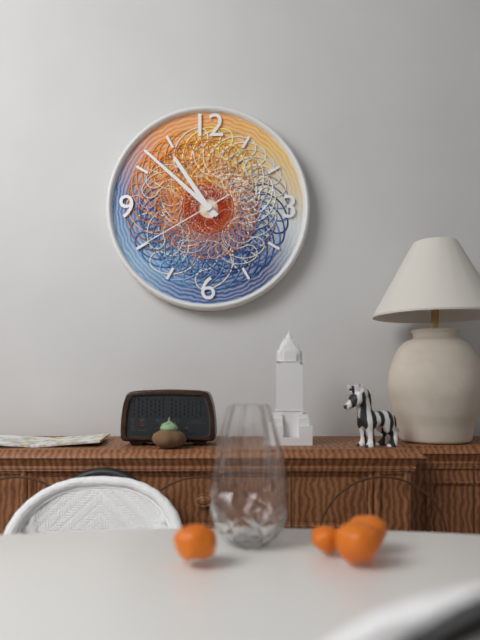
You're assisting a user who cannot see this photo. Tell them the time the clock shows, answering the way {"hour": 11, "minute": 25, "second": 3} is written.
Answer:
{"hour": 10, "minute": 52, "second": 40}
